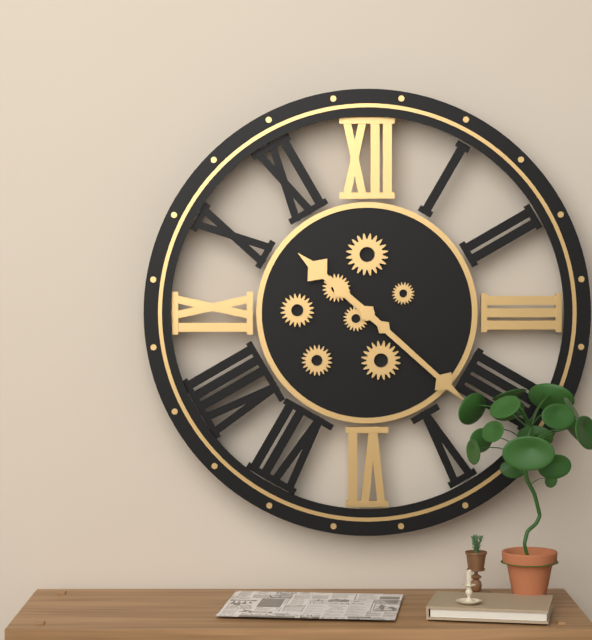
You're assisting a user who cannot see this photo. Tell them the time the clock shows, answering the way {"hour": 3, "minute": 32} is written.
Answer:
{"hour": 10, "minute": 22}
